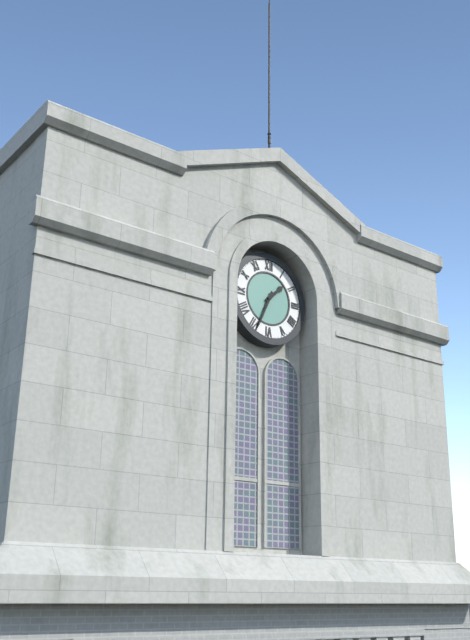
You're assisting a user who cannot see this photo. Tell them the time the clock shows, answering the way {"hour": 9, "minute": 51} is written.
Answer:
{"hour": 1, "minute": 34}
